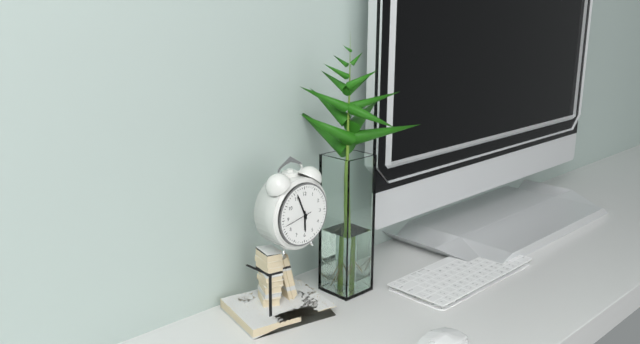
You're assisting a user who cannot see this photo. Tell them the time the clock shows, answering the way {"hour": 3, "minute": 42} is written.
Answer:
{"hour": 5, "minute": 56}
